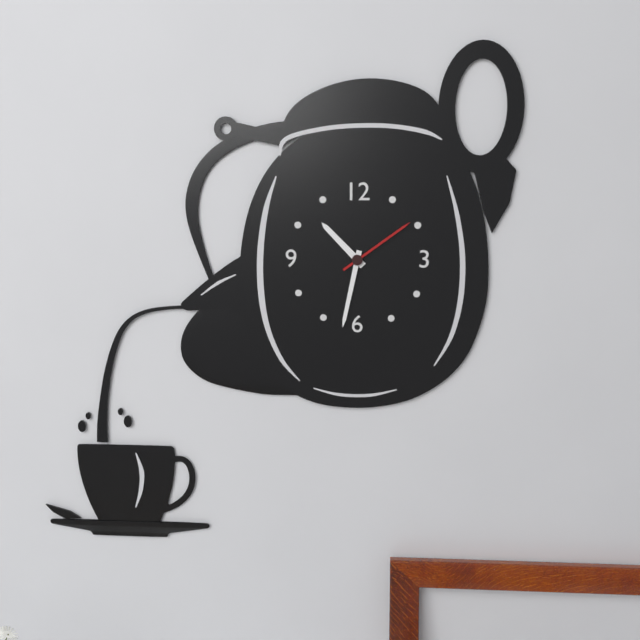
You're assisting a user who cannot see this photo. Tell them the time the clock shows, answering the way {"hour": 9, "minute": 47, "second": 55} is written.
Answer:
{"hour": 10, "minute": 32, "second": 9}
